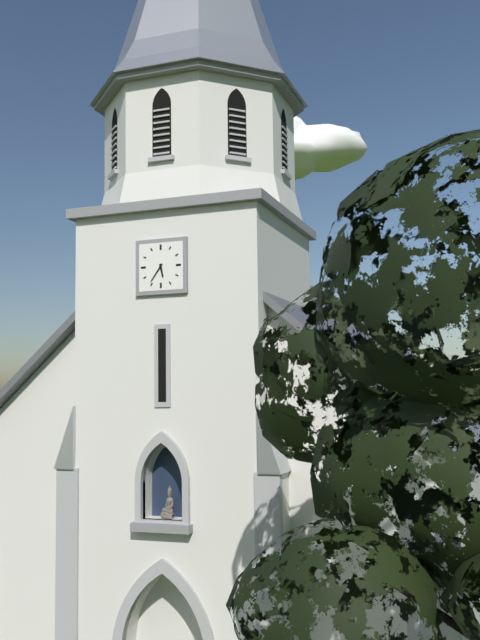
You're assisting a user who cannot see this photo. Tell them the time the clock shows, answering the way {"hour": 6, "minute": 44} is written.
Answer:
{"hour": 5, "minute": 36}
